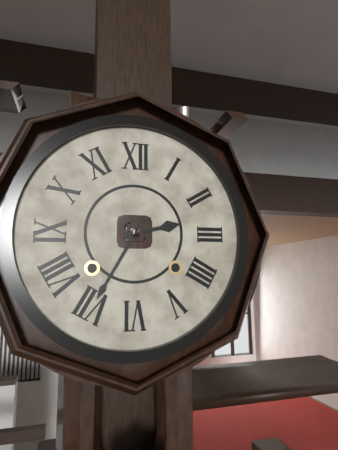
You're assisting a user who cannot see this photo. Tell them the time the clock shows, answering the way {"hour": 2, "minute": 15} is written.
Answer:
{"hour": 2, "minute": 35}
